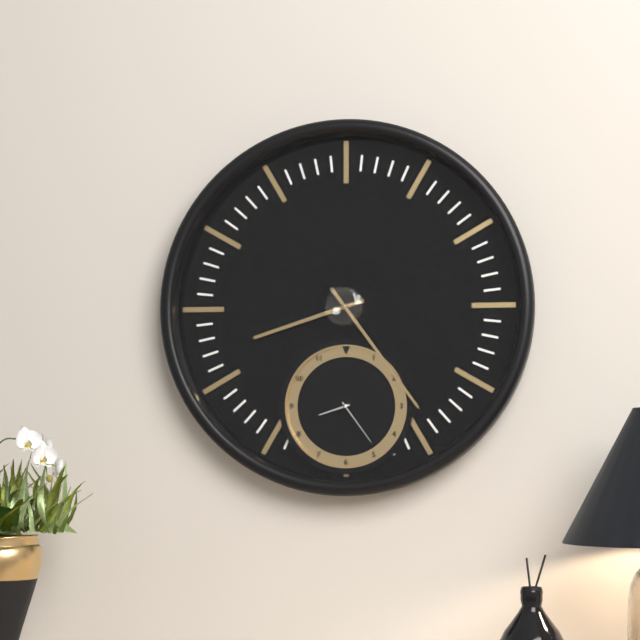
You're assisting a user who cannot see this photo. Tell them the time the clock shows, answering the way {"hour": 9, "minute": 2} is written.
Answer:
{"hour": 8, "minute": 24}
